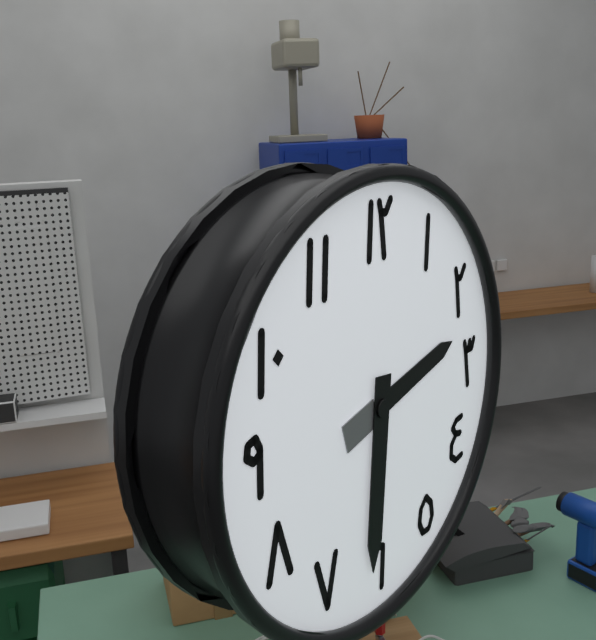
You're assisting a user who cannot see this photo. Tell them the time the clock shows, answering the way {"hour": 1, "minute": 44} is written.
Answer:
{"hour": 2, "minute": 31}
